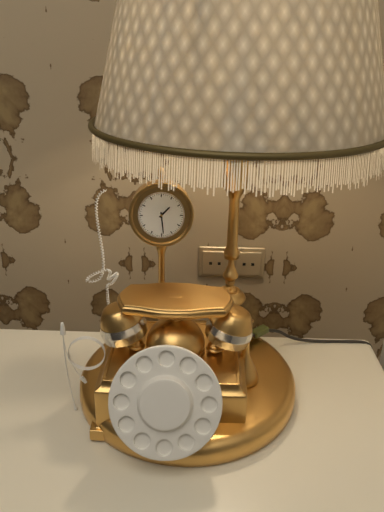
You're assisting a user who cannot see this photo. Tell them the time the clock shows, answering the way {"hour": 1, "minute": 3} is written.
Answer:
{"hour": 1, "minute": 29}
